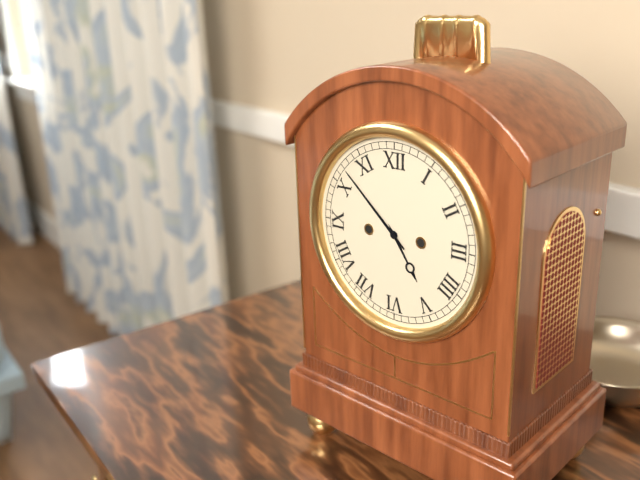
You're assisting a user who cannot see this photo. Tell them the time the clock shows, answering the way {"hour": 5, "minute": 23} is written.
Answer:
{"hour": 4, "minute": 52}
